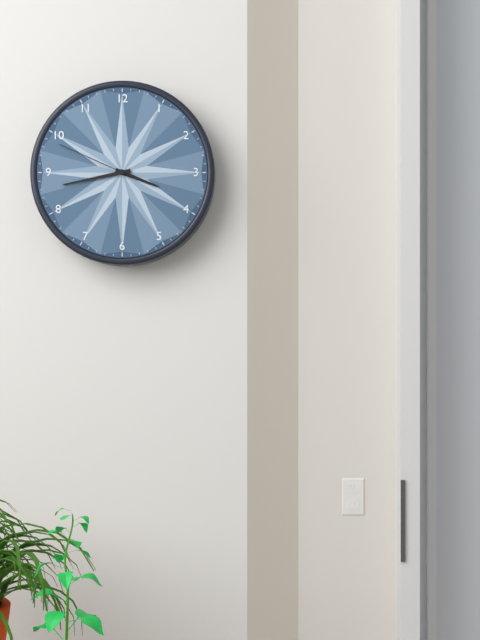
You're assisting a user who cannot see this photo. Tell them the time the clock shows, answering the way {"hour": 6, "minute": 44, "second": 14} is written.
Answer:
{"hour": 3, "minute": 43, "second": 49}
